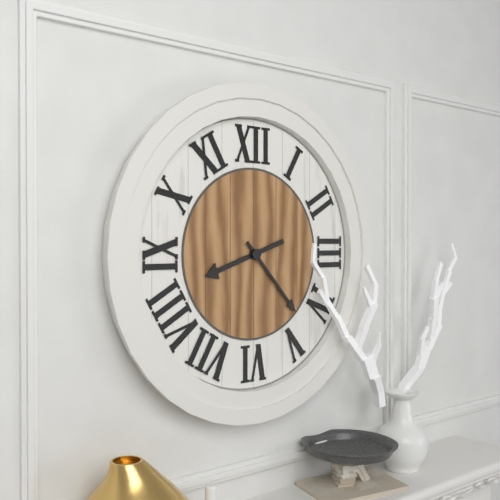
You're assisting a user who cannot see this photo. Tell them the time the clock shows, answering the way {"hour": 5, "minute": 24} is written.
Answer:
{"hour": 8, "minute": 23}
